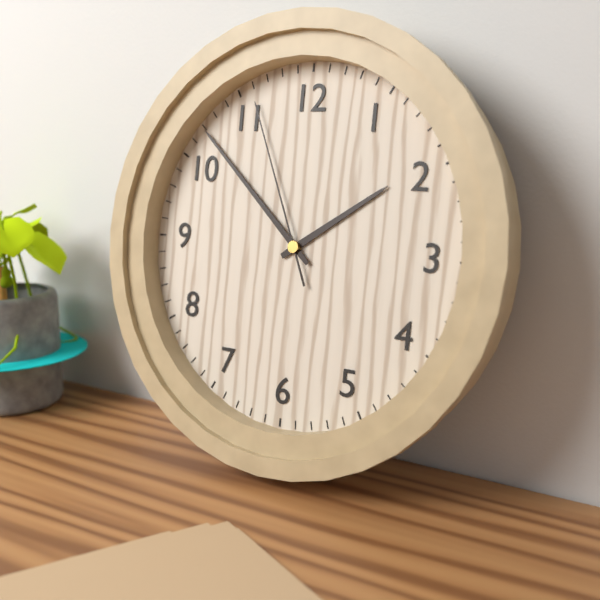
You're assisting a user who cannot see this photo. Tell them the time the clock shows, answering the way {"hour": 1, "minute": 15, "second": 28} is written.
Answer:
{"hour": 1, "minute": 52, "second": 56}
